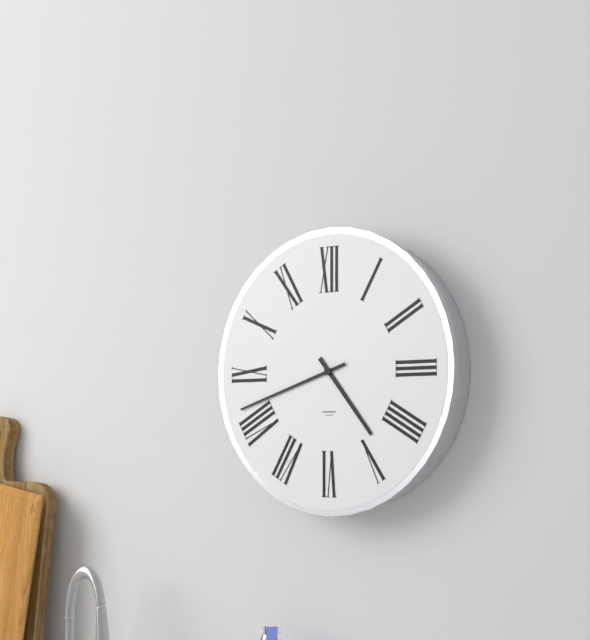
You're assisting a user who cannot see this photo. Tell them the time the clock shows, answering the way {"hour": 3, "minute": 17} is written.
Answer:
{"hour": 4, "minute": 42}
